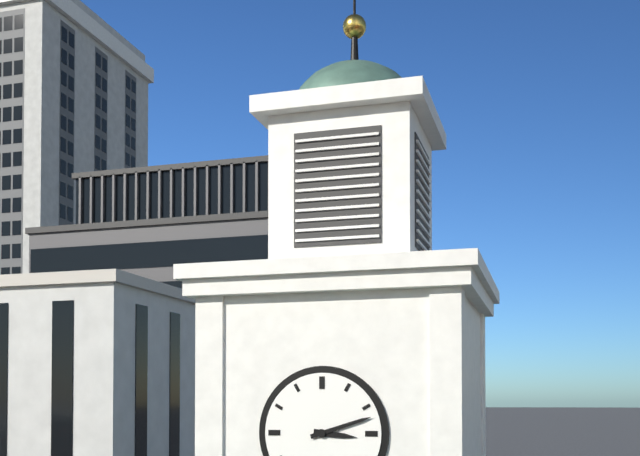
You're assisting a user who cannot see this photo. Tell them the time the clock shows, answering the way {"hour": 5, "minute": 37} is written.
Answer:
{"hour": 3, "minute": 12}
